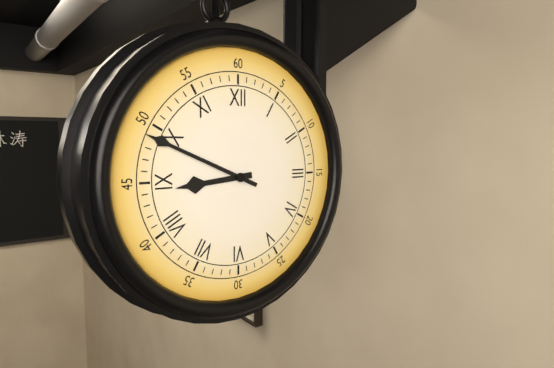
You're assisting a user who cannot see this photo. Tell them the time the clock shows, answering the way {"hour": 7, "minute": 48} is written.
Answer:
{"hour": 8, "minute": 49}
